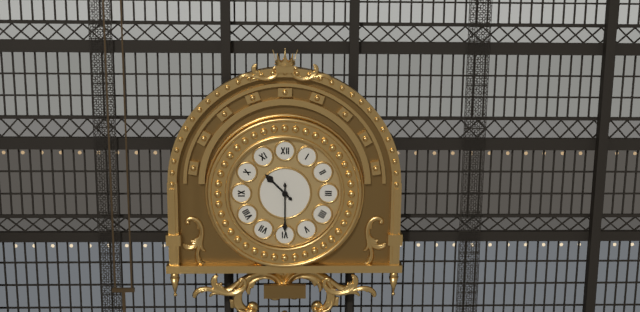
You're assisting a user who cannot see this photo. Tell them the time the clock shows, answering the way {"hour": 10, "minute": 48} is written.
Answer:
{"hour": 10, "minute": 30}
